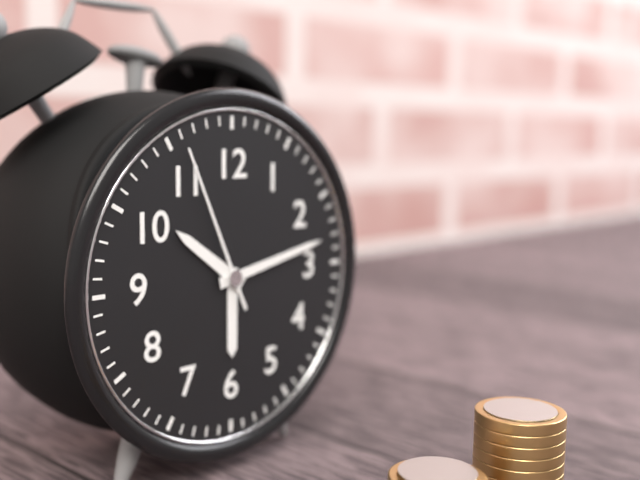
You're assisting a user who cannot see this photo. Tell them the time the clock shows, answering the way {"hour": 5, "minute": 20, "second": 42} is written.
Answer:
{"hour": 10, "minute": 13, "second": 56}
